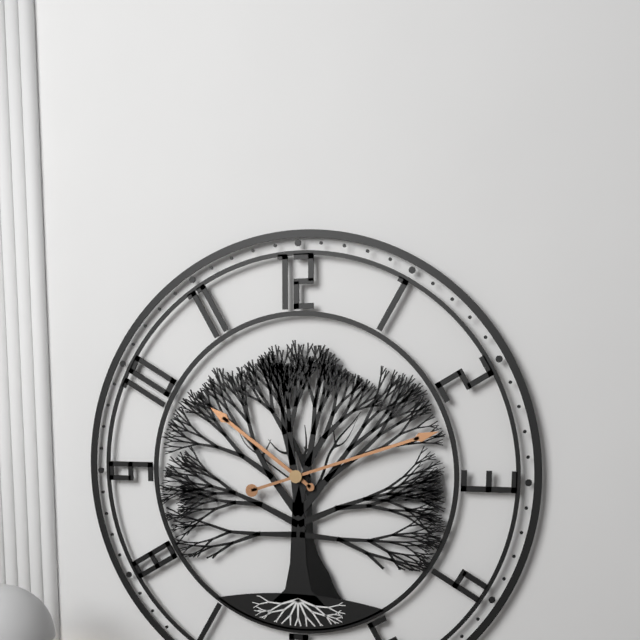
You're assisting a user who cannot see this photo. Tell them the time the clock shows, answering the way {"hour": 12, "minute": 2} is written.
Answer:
{"hour": 10, "minute": 12}
